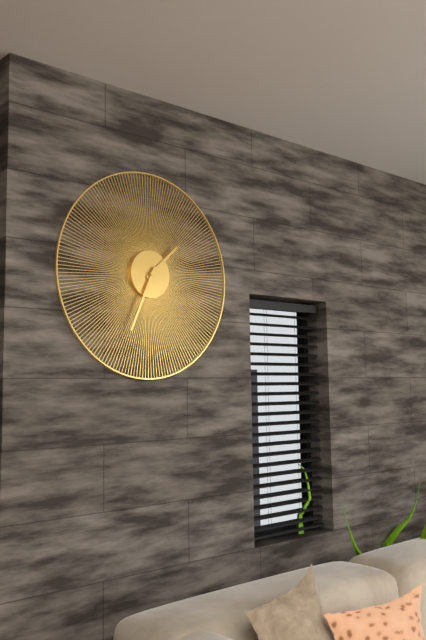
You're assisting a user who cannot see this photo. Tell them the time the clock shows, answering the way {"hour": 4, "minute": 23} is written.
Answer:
{"hour": 1, "minute": 34}
